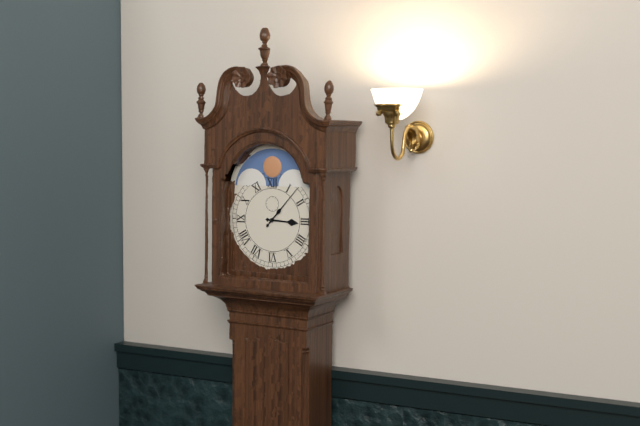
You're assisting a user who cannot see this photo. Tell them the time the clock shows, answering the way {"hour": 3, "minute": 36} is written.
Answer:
{"hour": 3, "minute": 7}
